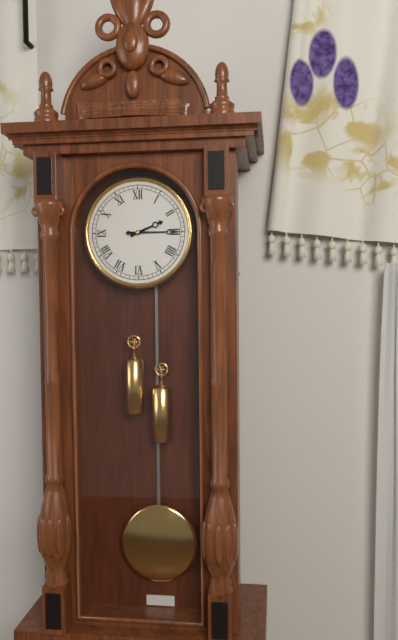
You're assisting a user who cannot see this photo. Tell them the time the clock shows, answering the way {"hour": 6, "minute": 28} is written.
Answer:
{"hour": 2, "minute": 15}
